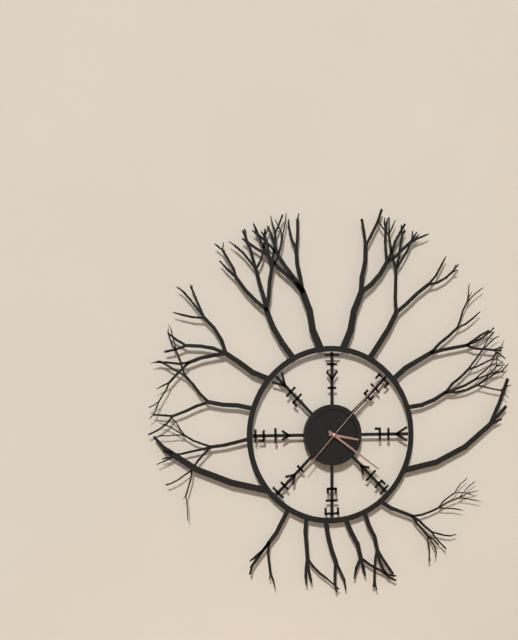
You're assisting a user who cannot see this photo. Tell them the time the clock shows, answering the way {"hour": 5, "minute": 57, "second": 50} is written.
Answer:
{"hour": 3, "minute": 21, "second": 7}
